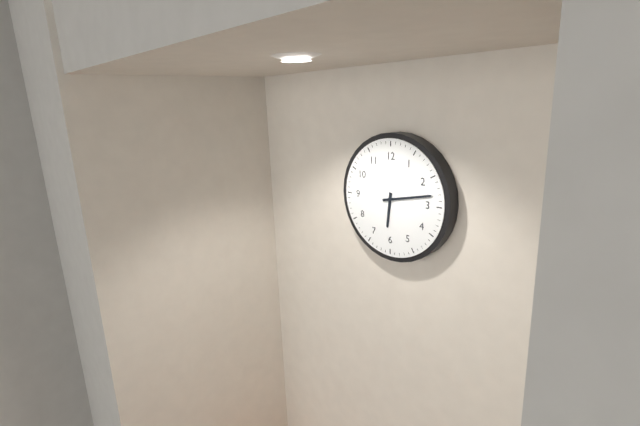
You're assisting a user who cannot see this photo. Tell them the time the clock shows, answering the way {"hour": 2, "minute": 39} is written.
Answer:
{"hour": 6, "minute": 13}
